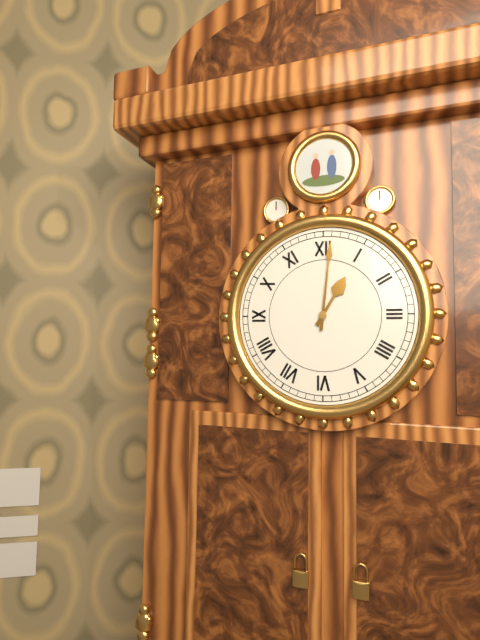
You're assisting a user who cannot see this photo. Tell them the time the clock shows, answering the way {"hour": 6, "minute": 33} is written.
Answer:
{"hour": 1, "minute": 1}
